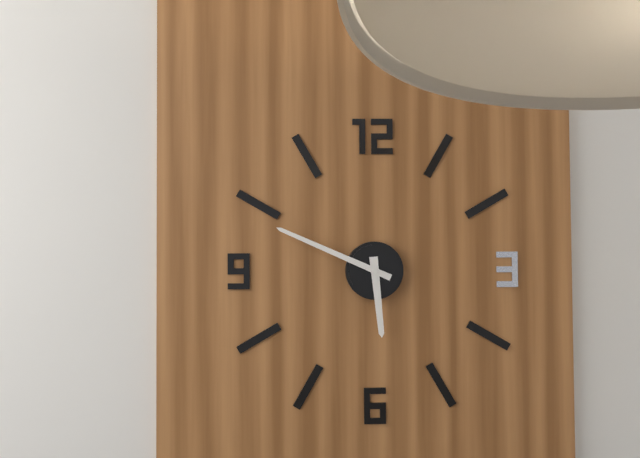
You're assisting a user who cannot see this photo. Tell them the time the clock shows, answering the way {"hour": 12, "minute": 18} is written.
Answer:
{"hour": 5, "minute": 49}
